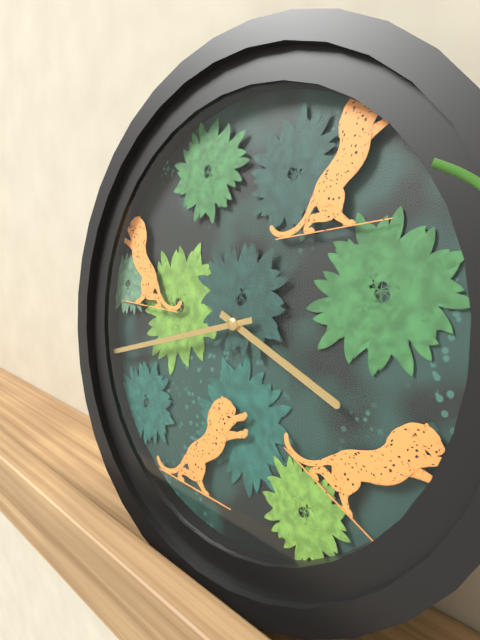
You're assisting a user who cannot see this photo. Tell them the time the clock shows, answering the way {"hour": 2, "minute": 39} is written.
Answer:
{"hour": 3, "minute": 42}
